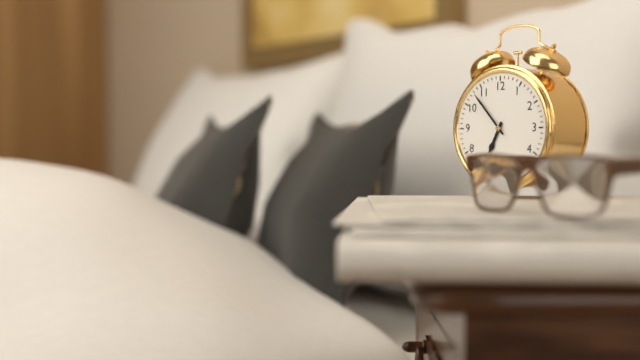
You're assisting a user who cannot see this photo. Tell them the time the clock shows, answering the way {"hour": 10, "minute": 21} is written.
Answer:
{"hour": 6, "minute": 53}
